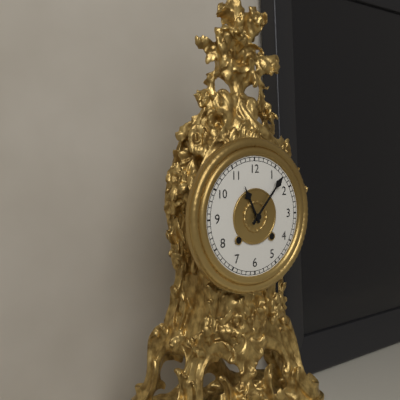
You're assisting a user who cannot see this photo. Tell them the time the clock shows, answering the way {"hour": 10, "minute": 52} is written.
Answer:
{"hour": 11, "minute": 7}
